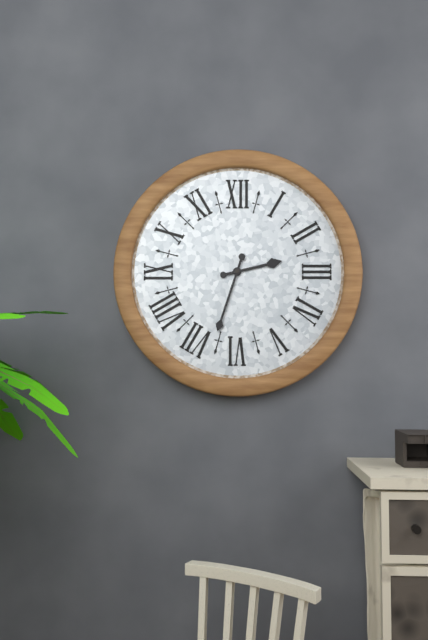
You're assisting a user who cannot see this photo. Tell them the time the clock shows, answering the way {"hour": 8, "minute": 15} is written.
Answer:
{"hour": 2, "minute": 33}
